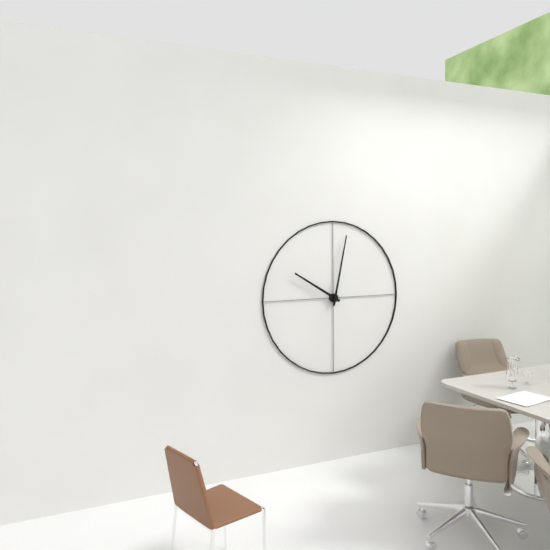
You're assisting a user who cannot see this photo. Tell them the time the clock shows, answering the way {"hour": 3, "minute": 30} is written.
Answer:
{"hour": 10, "minute": 2}
